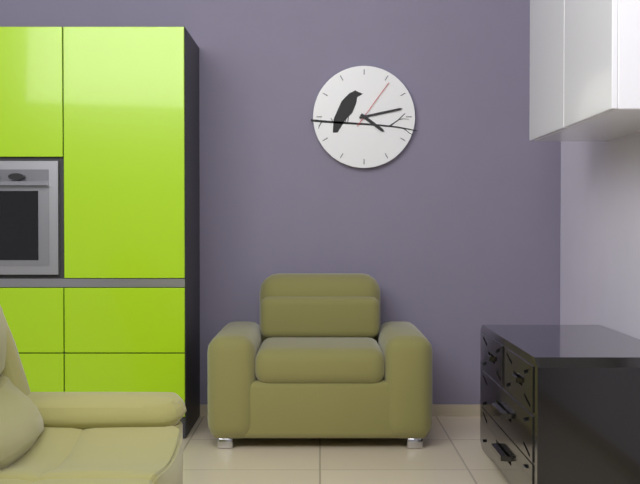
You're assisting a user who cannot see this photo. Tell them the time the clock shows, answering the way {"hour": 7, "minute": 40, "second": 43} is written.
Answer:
{"hour": 4, "minute": 13, "second": 6}
